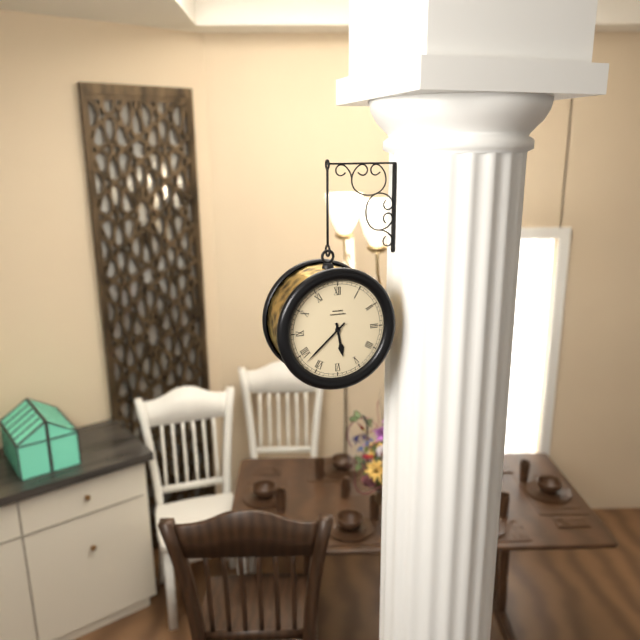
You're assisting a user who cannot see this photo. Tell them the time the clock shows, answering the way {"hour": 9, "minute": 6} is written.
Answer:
{"hour": 5, "minute": 38}
